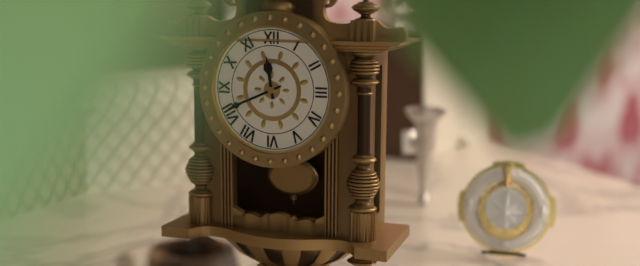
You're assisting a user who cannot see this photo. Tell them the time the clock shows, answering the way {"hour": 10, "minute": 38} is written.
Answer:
{"hour": 11, "minute": 41}
